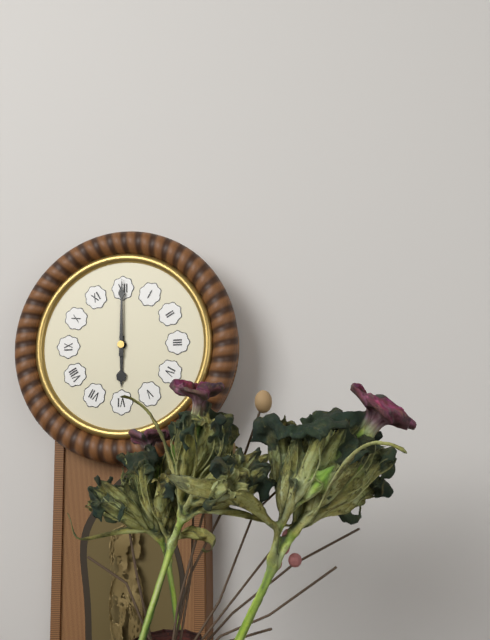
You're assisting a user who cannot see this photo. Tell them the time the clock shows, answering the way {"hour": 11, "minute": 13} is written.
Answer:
{"hour": 6, "minute": 0}
